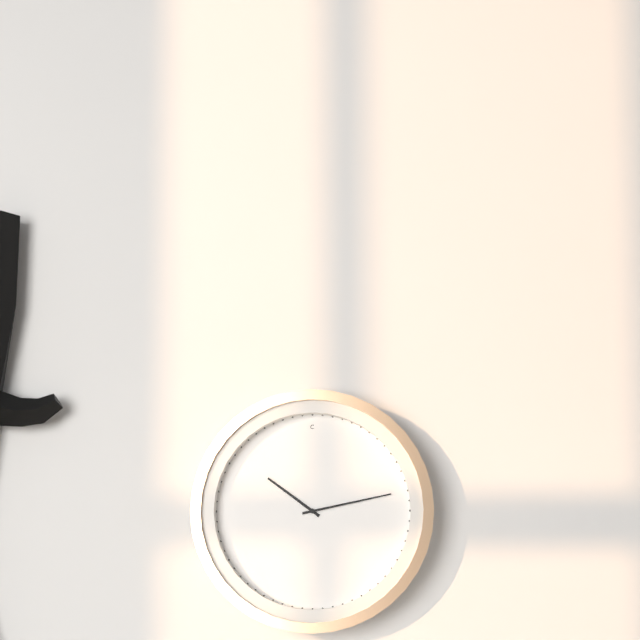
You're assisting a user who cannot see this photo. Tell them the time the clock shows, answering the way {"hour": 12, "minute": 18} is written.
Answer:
{"hour": 10, "minute": 13}
